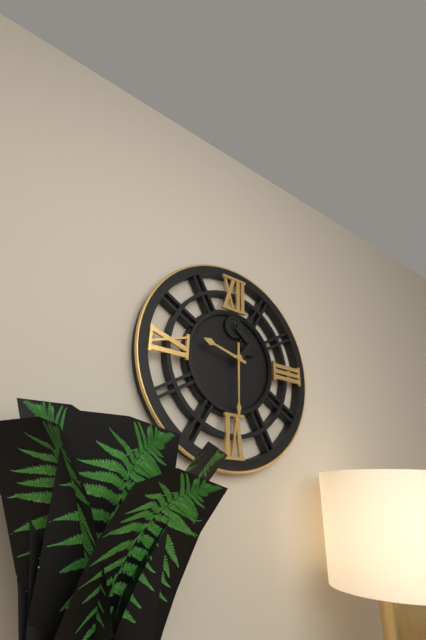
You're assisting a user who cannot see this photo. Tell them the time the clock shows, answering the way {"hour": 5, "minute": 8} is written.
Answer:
{"hour": 9, "minute": 30}
